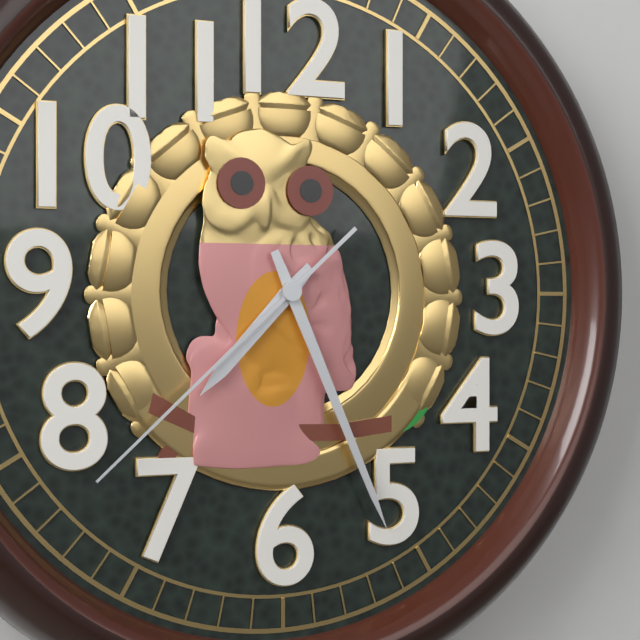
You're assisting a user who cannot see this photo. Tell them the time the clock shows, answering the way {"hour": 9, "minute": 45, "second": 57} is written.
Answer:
{"hour": 7, "minute": 26, "second": 38}
